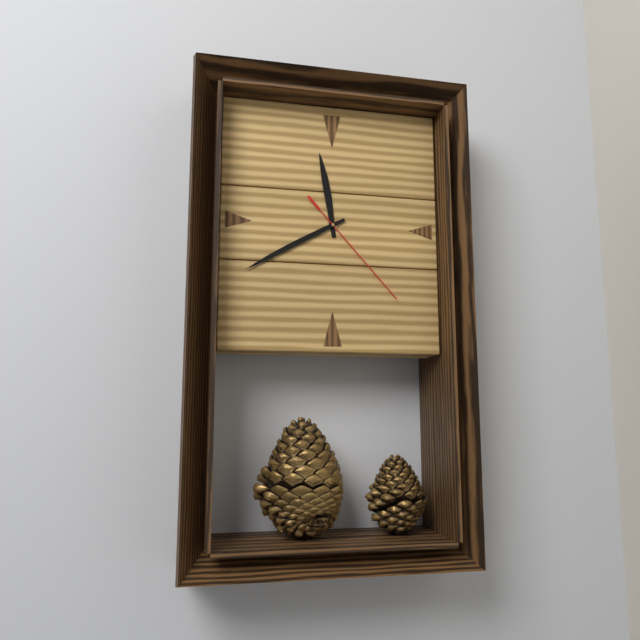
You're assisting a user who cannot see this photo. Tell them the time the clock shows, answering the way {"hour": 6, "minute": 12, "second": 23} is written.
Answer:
{"hour": 11, "minute": 40, "second": 23}
